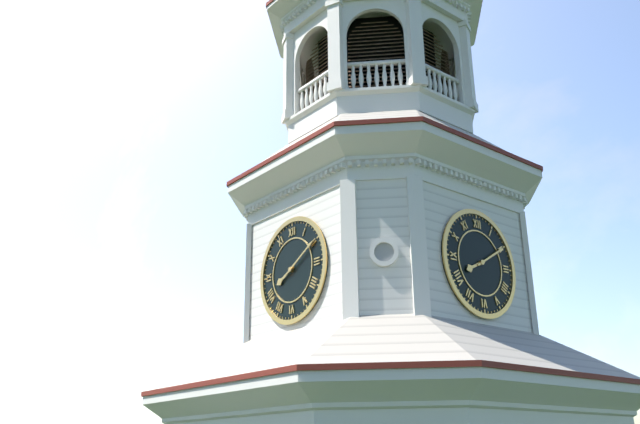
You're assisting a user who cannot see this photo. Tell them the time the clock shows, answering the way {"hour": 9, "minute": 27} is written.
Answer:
{"hour": 8, "minute": 10}
